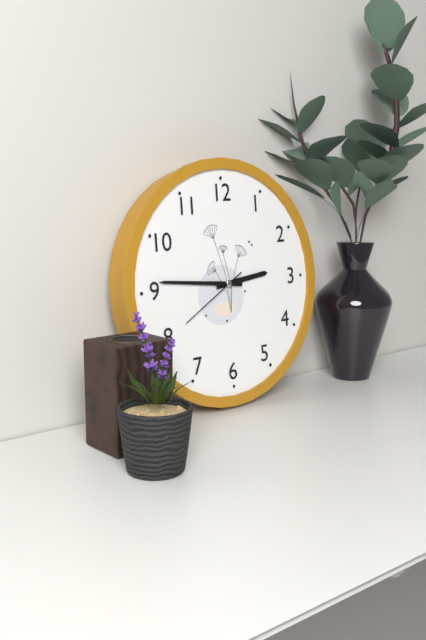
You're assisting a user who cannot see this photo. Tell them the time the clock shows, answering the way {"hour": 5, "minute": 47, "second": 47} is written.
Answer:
{"hour": 2, "minute": 46, "second": 40}
